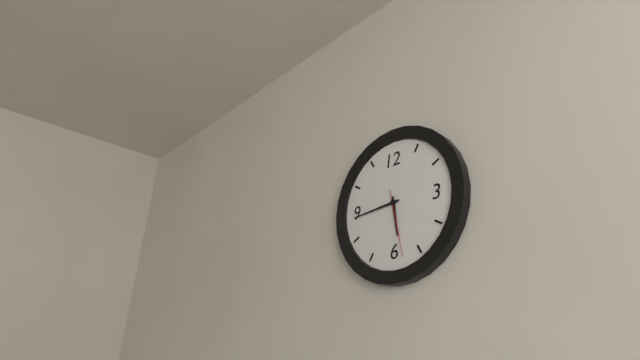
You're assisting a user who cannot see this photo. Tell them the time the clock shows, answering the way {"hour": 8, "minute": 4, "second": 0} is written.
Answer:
{"hour": 5, "minute": 44, "second": 28}
